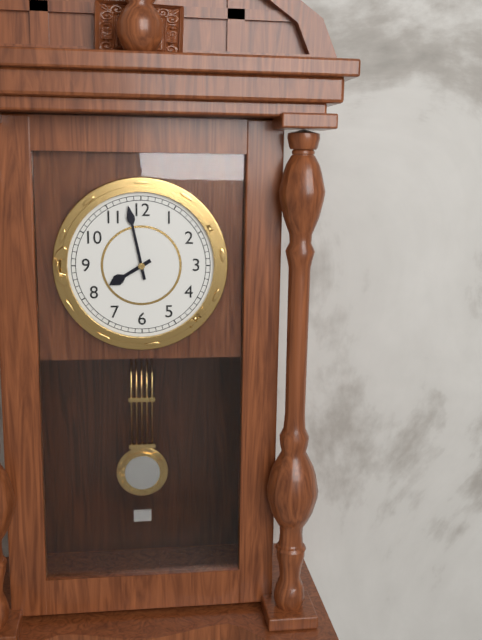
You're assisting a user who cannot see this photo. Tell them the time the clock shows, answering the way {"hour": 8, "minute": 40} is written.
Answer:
{"hour": 7, "minute": 58}
